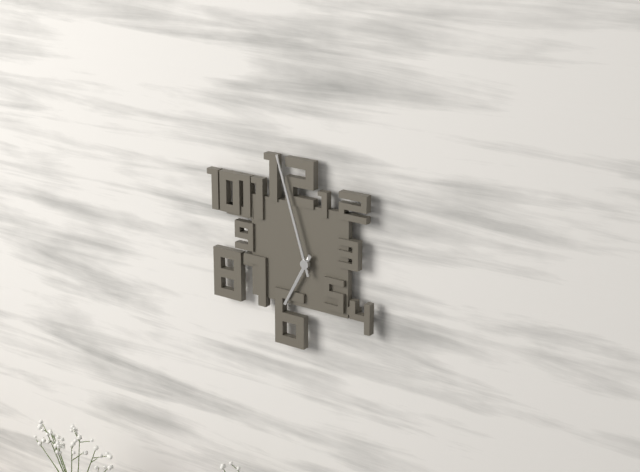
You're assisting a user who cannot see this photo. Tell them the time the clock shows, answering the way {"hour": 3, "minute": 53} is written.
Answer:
{"hour": 6, "minute": 57}
